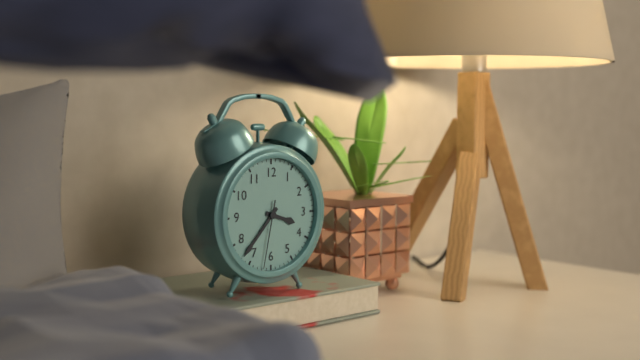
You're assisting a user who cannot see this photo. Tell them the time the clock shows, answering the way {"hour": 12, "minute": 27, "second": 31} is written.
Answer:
{"hour": 3, "minute": 37, "second": 32}
